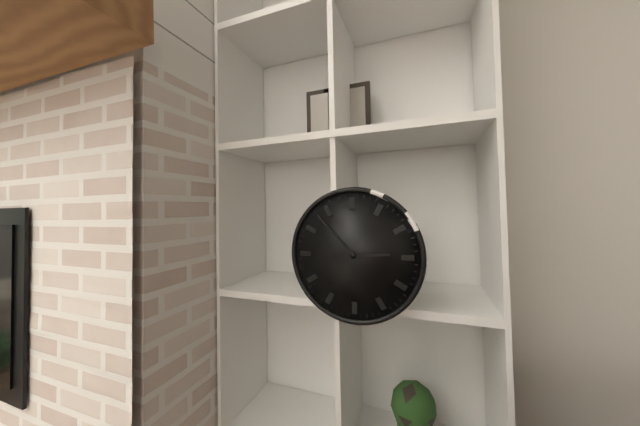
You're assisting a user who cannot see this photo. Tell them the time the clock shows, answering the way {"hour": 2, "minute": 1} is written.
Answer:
{"hour": 2, "minute": 53}
